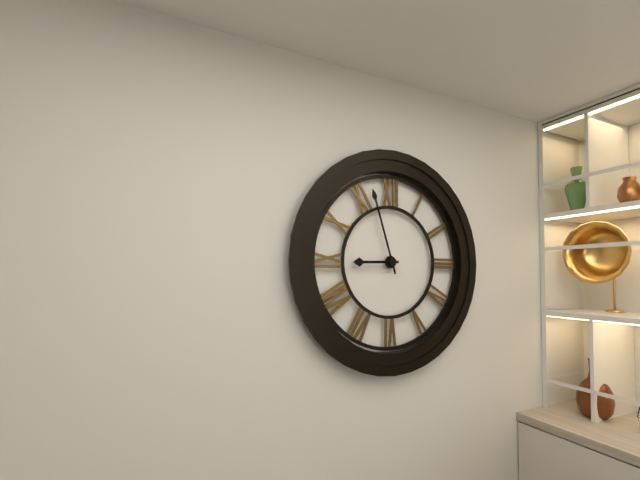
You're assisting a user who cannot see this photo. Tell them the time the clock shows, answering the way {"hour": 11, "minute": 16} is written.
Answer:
{"hour": 8, "minute": 57}
